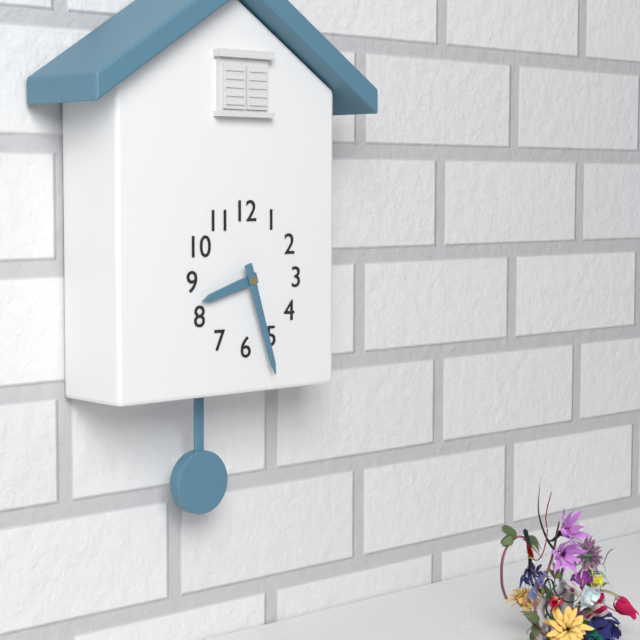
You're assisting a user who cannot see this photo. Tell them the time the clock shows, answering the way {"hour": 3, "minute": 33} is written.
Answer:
{"hour": 8, "minute": 27}
